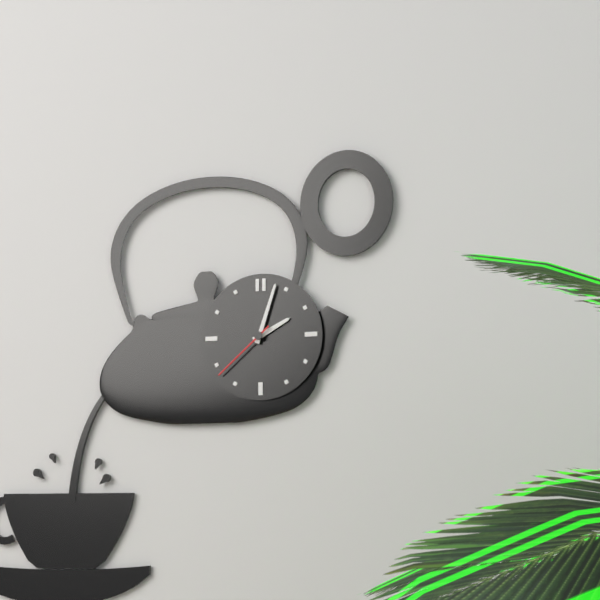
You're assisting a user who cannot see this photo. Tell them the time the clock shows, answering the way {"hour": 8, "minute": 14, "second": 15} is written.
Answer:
{"hour": 2, "minute": 3, "second": 38}
